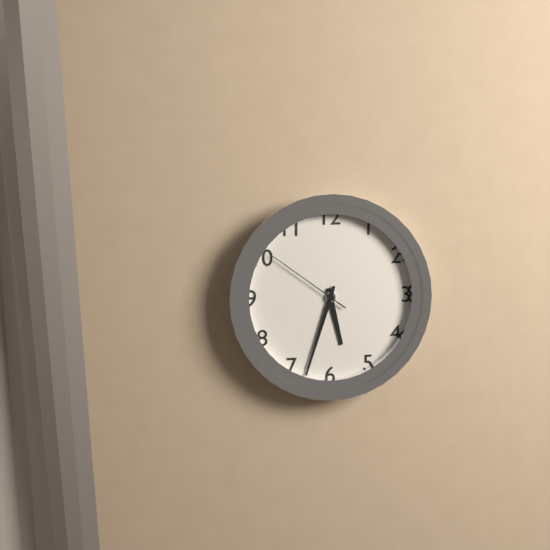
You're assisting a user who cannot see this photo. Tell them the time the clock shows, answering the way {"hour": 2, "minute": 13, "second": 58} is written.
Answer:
{"hour": 5, "minute": 33, "second": 51}
